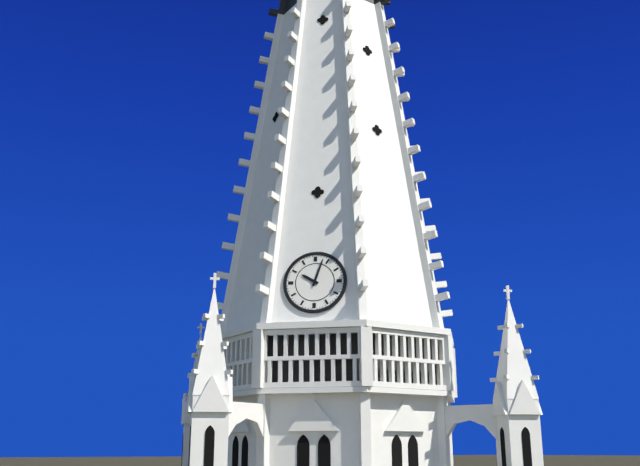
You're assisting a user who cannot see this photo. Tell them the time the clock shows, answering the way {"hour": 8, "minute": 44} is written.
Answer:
{"hour": 10, "minute": 3}
